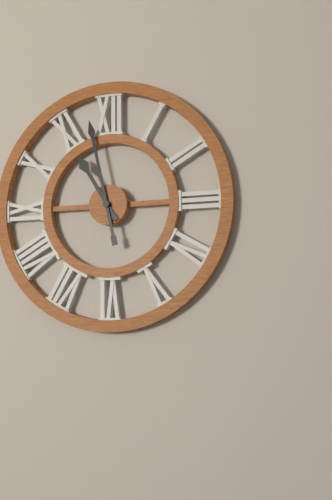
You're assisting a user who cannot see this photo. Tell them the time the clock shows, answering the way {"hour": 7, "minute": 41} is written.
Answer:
{"hour": 10, "minute": 58}
